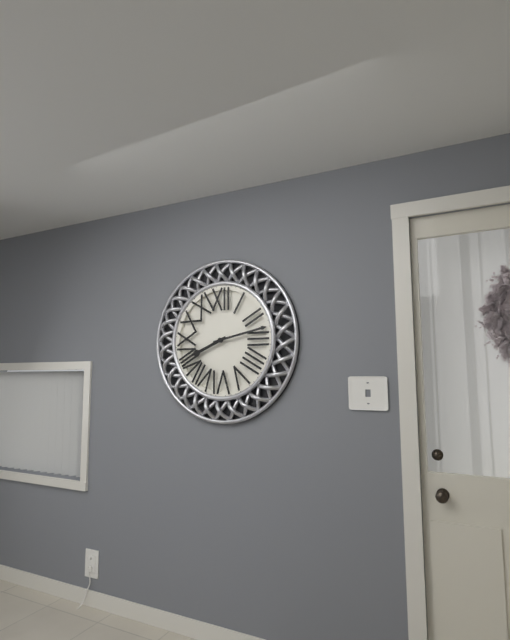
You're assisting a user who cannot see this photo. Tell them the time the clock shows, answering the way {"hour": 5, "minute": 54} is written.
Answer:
{"hour": 8, "minute": 13}
